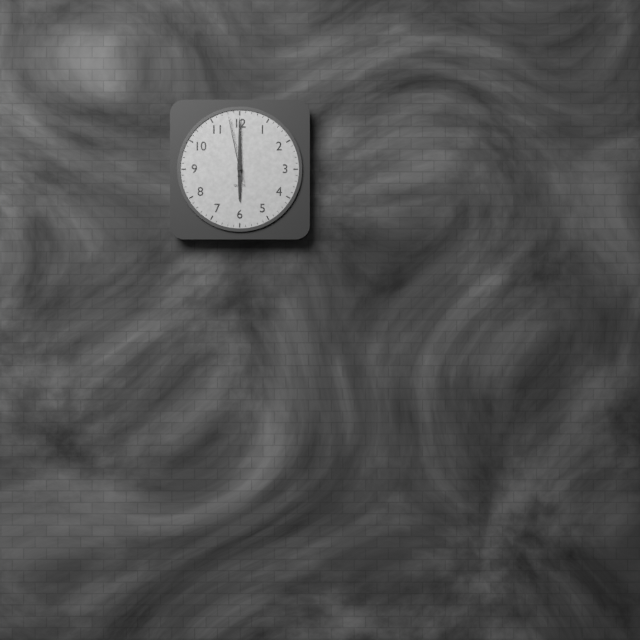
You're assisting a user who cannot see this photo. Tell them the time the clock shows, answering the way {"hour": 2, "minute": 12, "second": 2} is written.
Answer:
{"hour": 6, "minute": 0, "second": 58}
